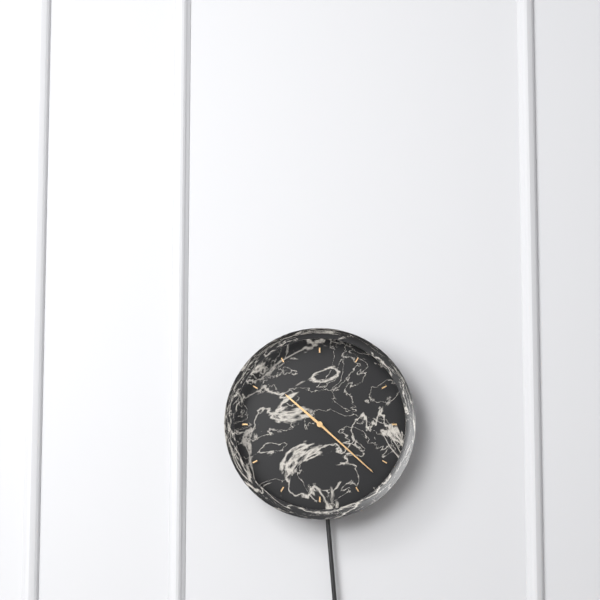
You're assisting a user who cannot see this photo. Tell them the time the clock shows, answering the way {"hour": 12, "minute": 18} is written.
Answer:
{"hour": 10, "minute": 22}
